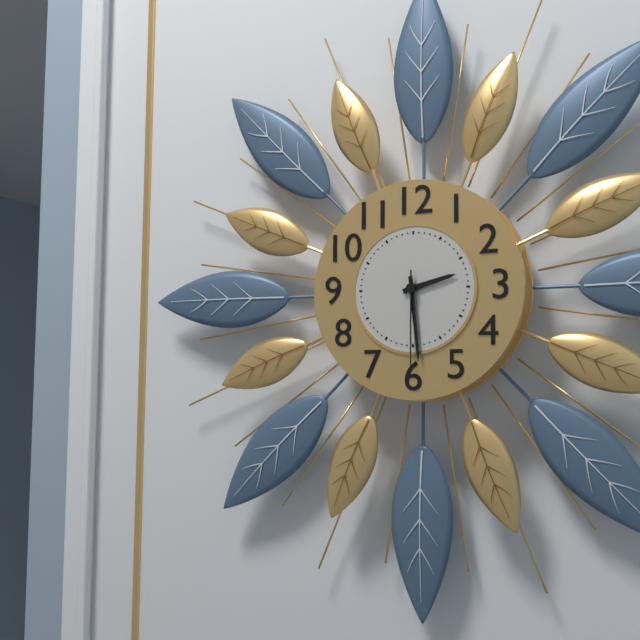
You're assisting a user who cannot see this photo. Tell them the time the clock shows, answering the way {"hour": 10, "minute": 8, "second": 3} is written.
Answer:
{"hour": 2, "minute": 29, "second": 30}
